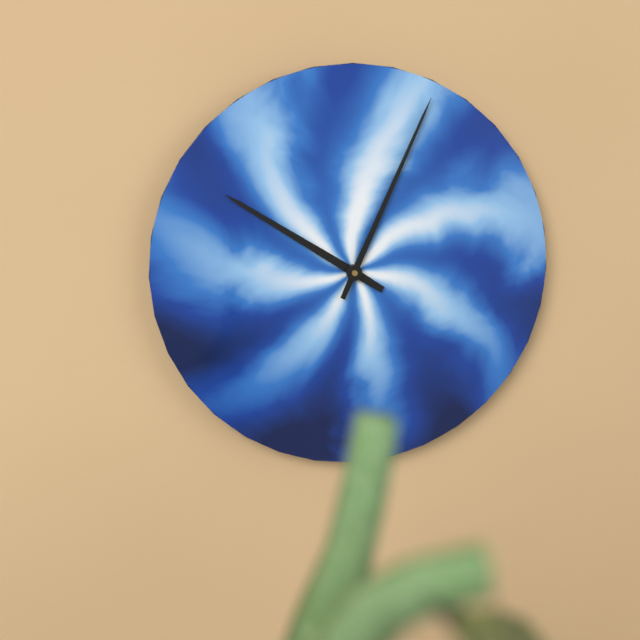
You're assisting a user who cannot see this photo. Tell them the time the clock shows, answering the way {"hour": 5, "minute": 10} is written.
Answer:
{"hour": 10, "minute": 4}
